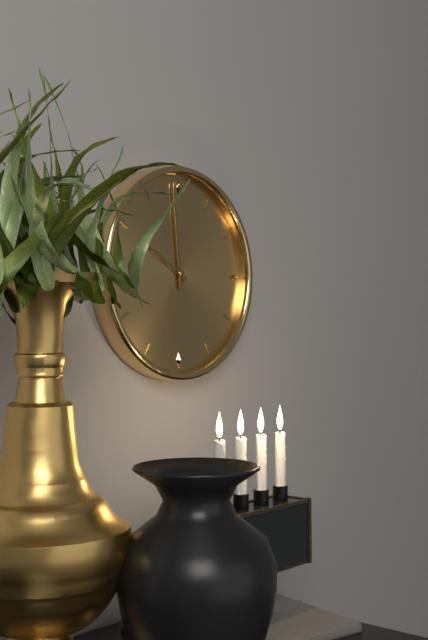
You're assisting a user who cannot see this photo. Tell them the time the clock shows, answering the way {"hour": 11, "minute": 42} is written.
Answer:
{"hour": 9, "minute": 59}
